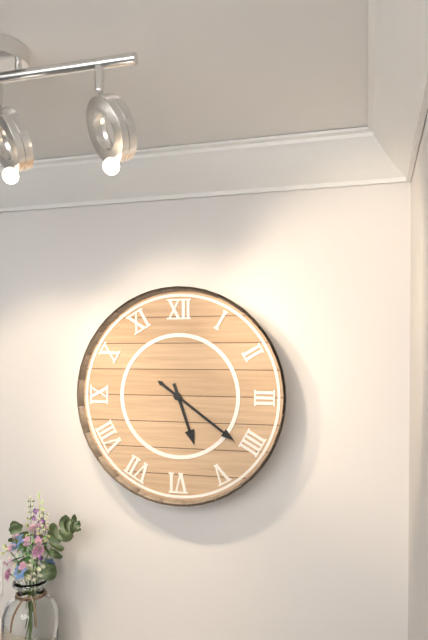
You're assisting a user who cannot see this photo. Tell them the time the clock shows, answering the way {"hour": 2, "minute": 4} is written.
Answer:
{"hour": 5, "minute": 21}
